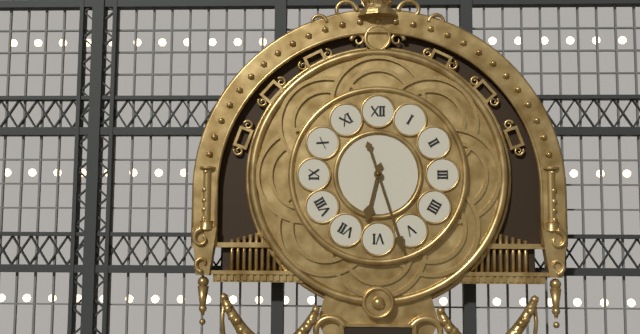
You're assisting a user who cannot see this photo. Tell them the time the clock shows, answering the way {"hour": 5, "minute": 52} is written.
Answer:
{"hour": 6, "minute": 27}
